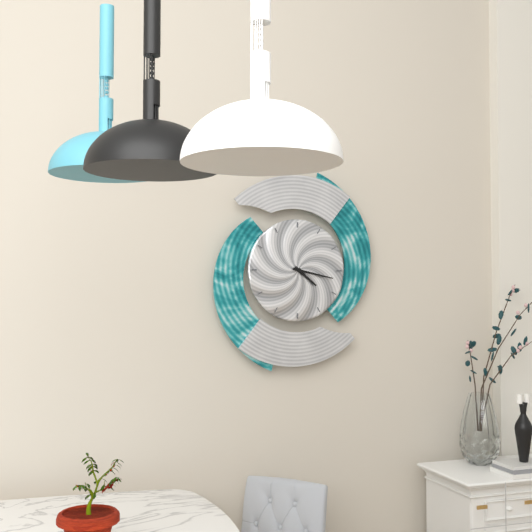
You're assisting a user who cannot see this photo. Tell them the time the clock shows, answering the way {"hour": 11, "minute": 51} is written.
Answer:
{"hour": 4, "minute": 17}
